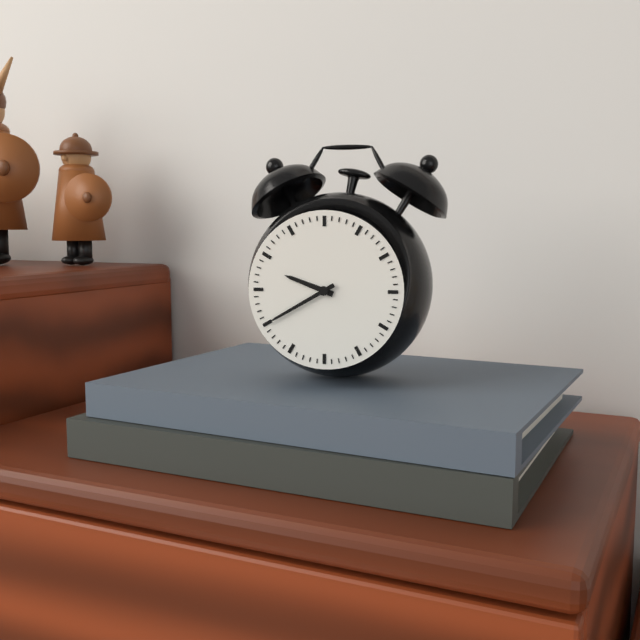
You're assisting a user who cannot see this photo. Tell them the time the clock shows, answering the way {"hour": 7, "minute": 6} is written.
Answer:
{"hour": 9, "minute": 40}
